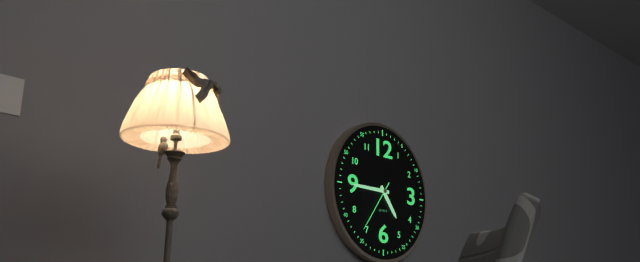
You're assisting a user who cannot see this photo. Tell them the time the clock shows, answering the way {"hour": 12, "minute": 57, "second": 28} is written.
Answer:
{"hour": 4, "minute": 45, "second": 36}
